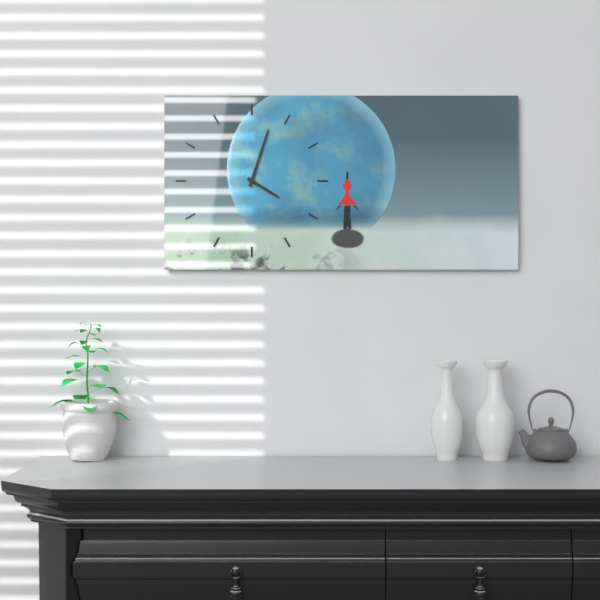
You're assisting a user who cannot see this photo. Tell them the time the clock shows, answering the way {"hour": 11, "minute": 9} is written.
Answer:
{"hour": 4, "minute": 3}
